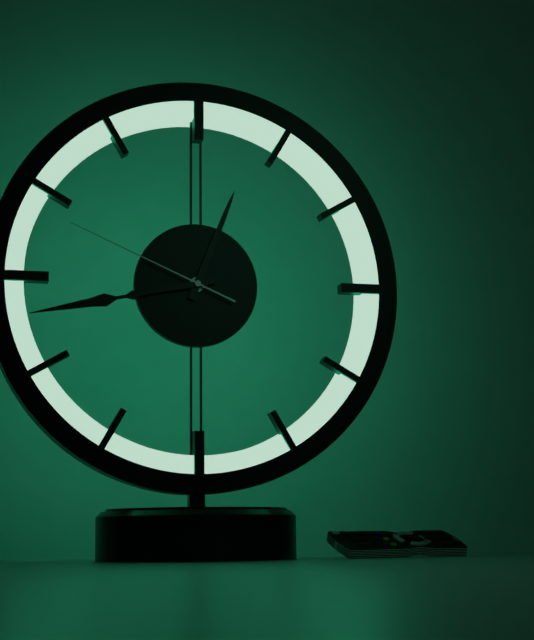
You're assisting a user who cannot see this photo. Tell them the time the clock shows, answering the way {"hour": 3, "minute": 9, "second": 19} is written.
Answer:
{"hour": 12, "minute": 43, "second": 49}
